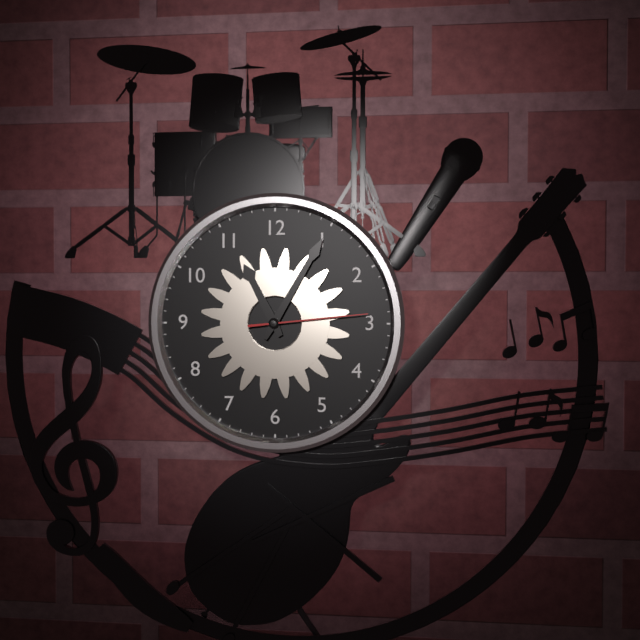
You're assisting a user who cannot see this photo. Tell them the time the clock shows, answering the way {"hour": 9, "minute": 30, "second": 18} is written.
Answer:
{"hour": 11, "minute": 5, "second": 14}
